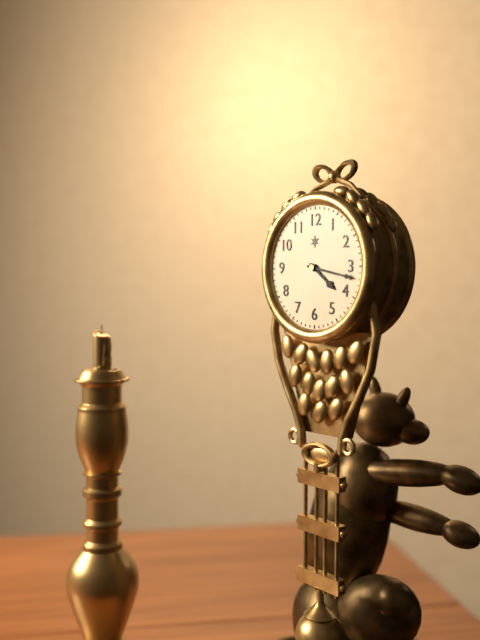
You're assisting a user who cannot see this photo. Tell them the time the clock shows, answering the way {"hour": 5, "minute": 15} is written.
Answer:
{"hour": 4, "minute": 17}
